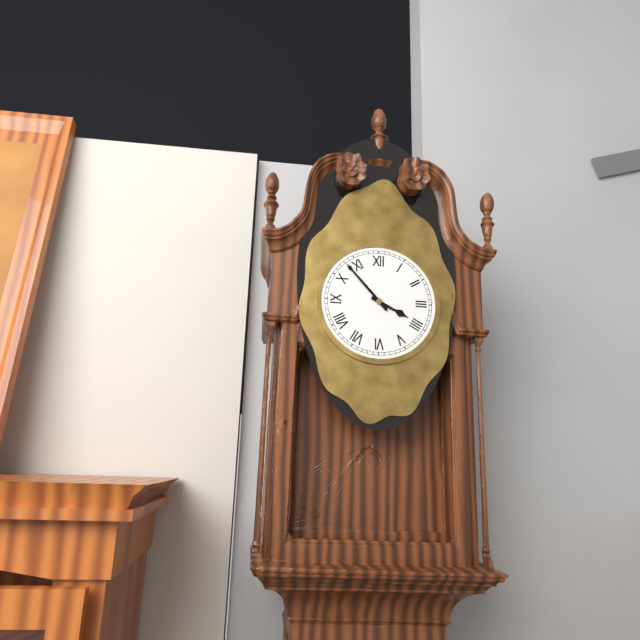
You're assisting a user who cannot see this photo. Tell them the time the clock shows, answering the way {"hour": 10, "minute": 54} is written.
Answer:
{"hour": 3, "minute": 53}
